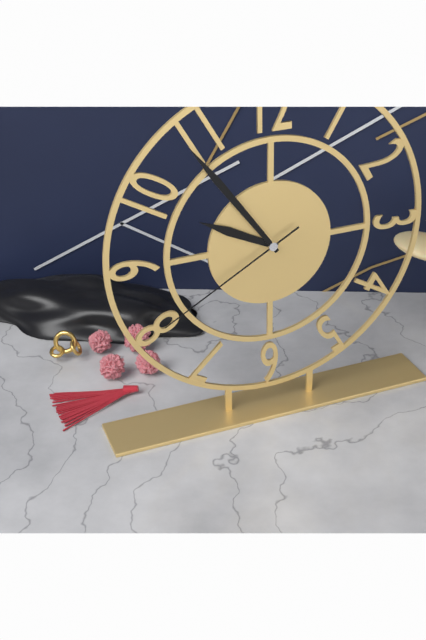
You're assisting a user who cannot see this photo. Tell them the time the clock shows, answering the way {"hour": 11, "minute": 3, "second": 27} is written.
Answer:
{"hour": 9, "minute": 54, "second": 40}
